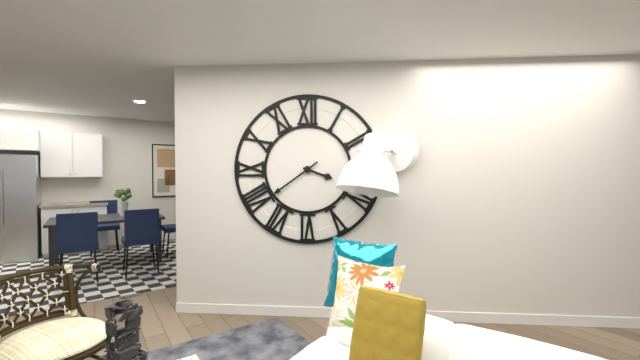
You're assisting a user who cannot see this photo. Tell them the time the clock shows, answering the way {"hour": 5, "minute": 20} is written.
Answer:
{"hour": 3, "minute": 39}
